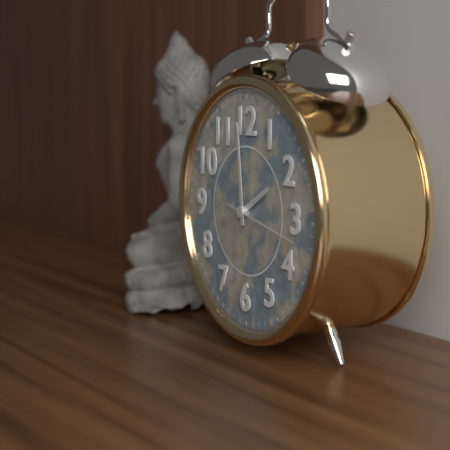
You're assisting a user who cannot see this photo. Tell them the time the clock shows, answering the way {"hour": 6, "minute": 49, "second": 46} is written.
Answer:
{"hour": 1, "minute": 59, "second": 17}
